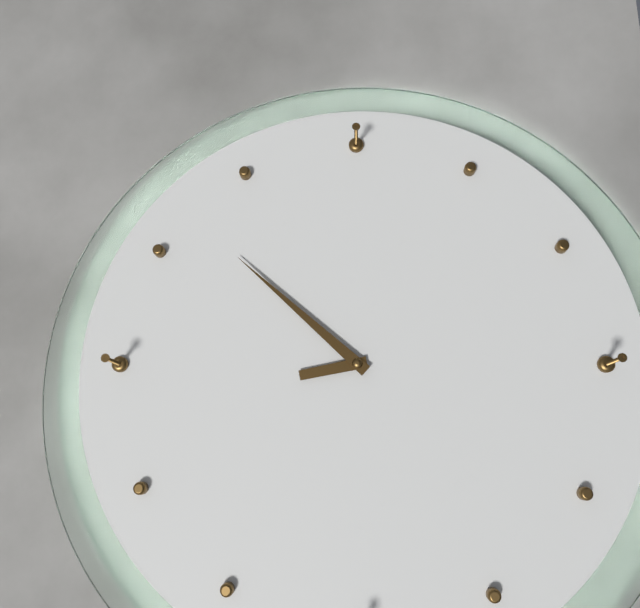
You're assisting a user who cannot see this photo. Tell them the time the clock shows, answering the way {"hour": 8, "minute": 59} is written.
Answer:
{"hour": 5, "minute": 37}
